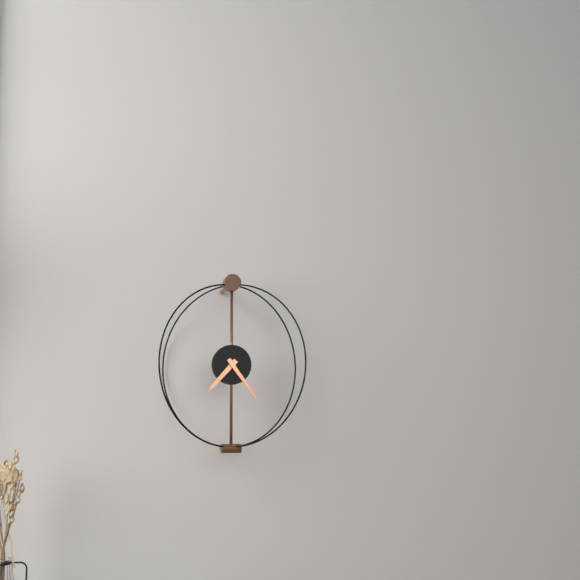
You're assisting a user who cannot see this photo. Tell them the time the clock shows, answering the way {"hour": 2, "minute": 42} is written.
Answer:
{"hour": 7, "minute": 24}
